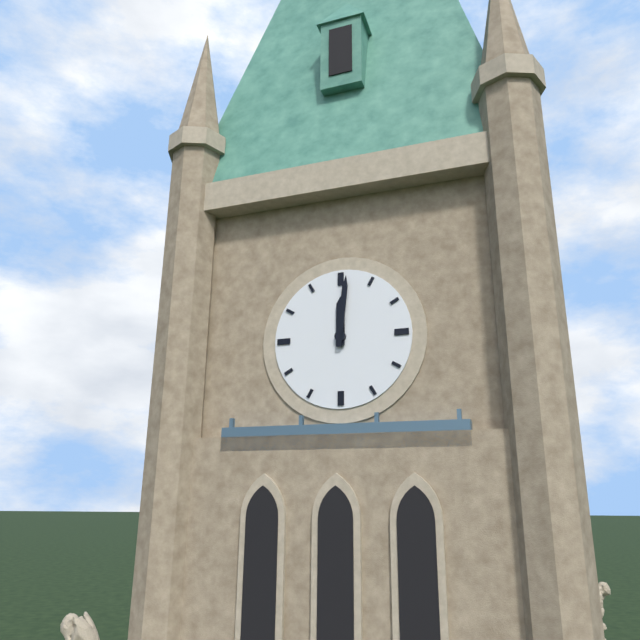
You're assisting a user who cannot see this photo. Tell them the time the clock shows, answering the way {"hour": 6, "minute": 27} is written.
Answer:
{"hour": 12, "minute": 1}
